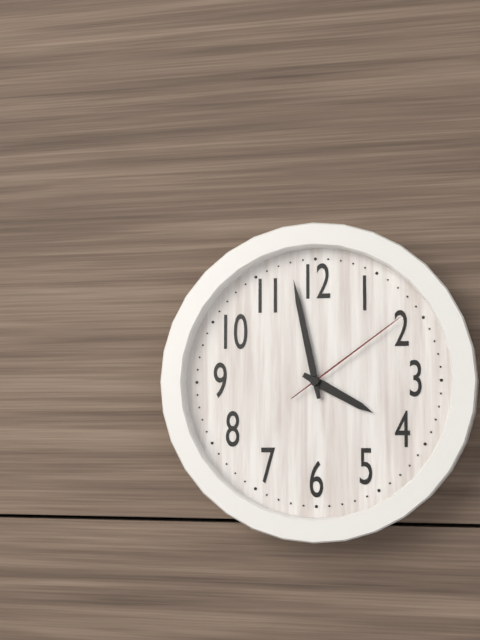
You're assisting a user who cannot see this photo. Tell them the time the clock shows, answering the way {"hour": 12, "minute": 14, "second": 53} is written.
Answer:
{"hour": 3, "minute": 58, "second": 9}
